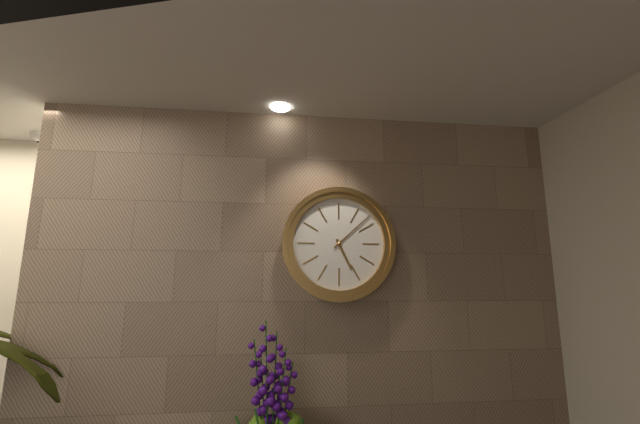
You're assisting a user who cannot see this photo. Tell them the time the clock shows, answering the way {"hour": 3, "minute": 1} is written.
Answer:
{"hour": 5, "minute": 8}
